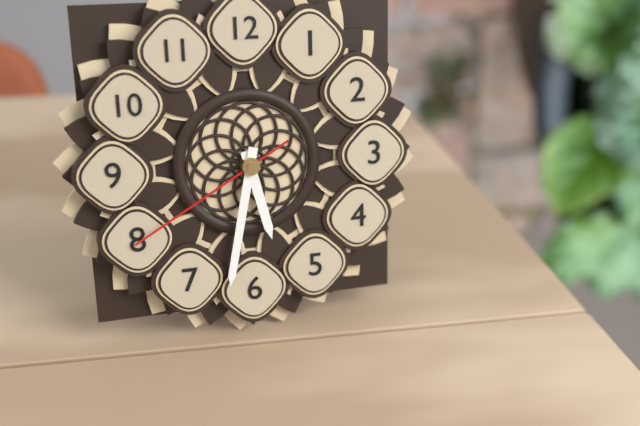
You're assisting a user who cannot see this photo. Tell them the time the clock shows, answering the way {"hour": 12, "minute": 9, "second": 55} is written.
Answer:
{"hour": 5, "minute": 32, "second": 40}
